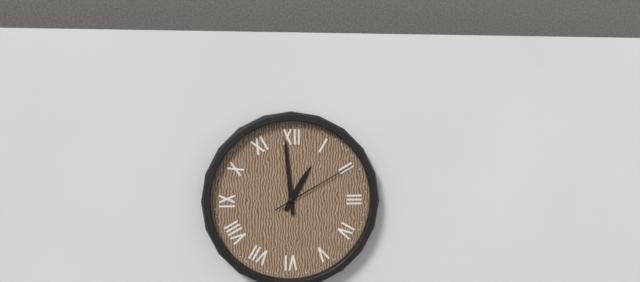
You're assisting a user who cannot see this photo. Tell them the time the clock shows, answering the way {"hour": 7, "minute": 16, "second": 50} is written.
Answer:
{"hour": 12, "minute": 59, "second": 10}
